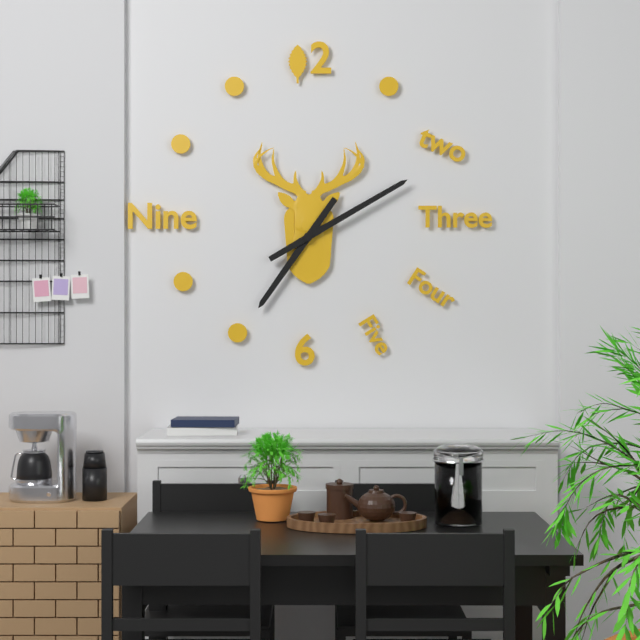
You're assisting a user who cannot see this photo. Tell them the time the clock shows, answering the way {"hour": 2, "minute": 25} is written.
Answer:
{"hour": 7, "minute": 10}
